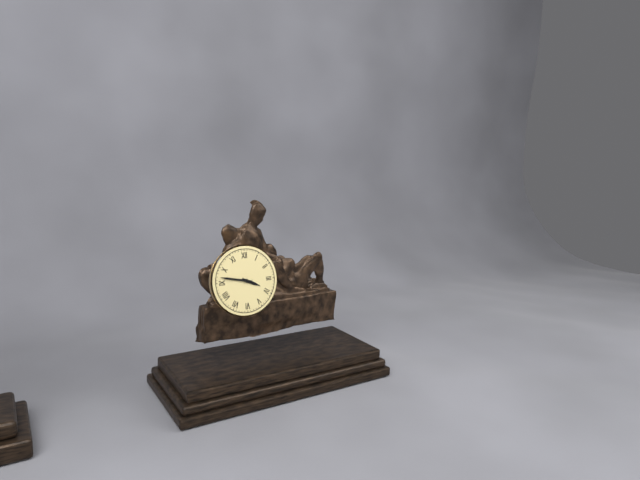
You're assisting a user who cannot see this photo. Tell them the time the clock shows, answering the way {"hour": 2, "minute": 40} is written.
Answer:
{"hour": 3, "minute": 47}
